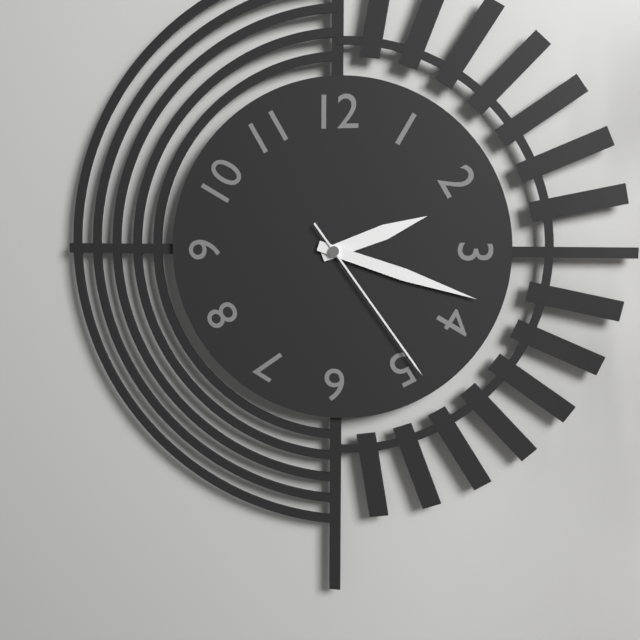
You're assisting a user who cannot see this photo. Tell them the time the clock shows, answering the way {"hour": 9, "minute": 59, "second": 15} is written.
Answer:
{"hour": 2, "minute": 18, "second": 24}
